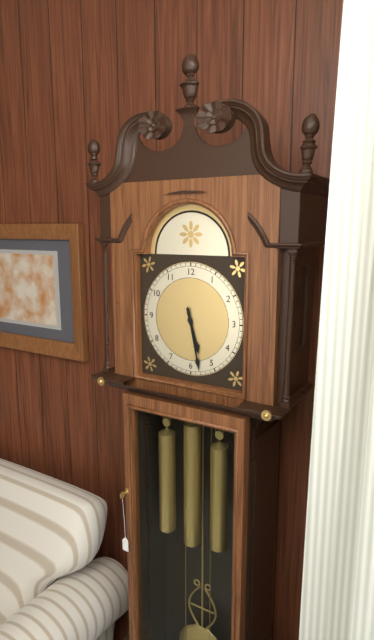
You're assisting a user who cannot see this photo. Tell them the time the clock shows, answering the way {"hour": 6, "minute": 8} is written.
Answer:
{"hour": 5, "minute": 28}
